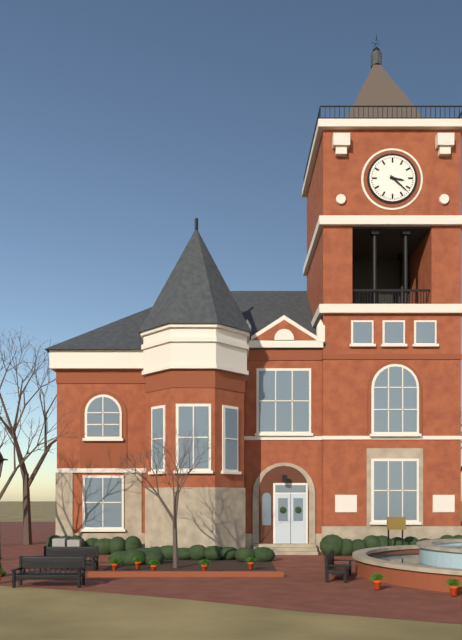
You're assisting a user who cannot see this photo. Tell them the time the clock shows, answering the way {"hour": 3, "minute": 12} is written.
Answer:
{"hour": 3, "minute": 22}
